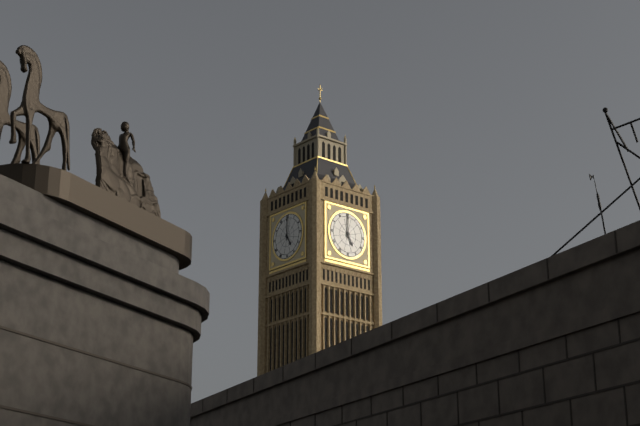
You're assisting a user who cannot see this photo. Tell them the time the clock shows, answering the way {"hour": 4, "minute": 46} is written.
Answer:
{"hour": 5, "minute": 0}
